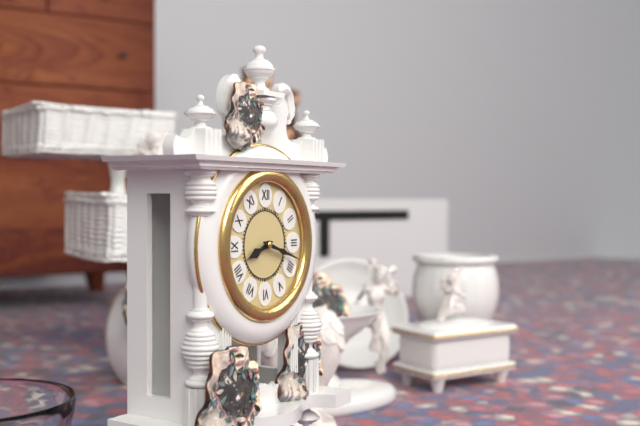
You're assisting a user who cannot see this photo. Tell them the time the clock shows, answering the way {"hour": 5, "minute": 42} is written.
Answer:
{"hour": 8, "minute": 18}
